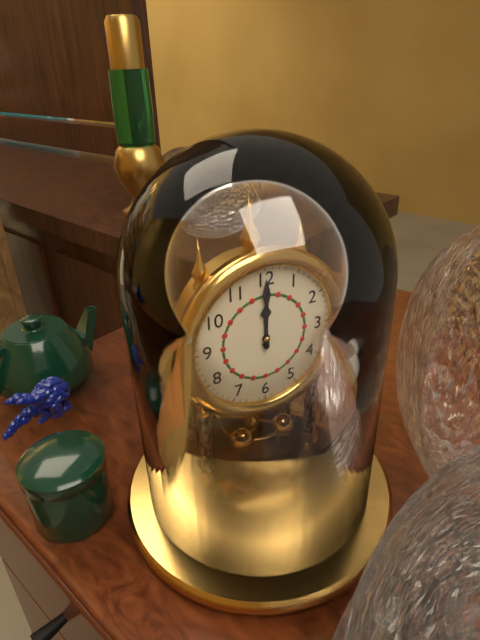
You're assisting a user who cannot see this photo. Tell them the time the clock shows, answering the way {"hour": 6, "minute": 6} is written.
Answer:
{"hour": 12, "minute": 0}
